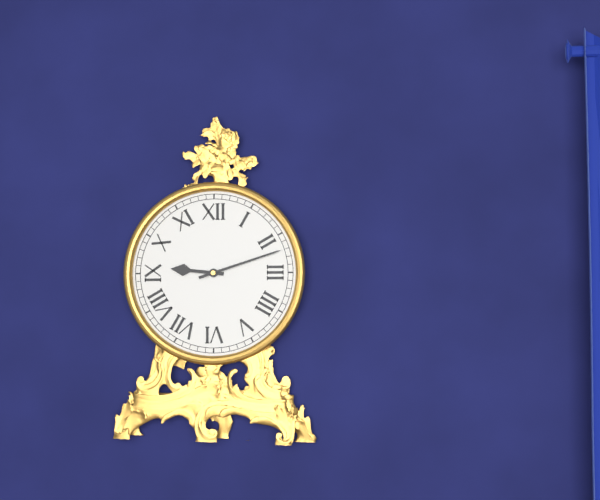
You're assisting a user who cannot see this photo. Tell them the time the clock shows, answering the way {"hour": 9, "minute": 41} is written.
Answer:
{"hour": 9, "minute": 12}
